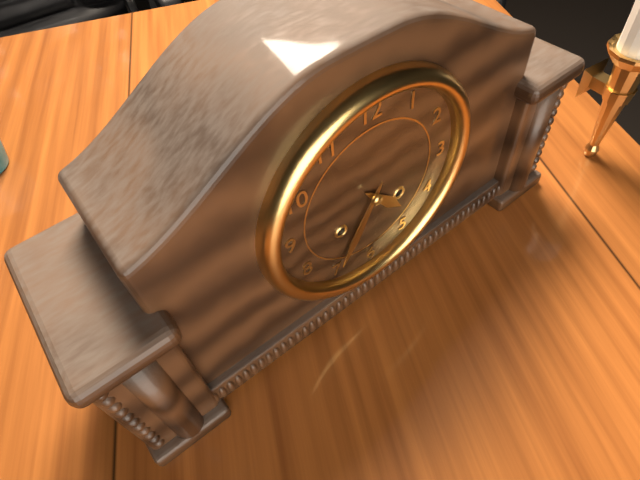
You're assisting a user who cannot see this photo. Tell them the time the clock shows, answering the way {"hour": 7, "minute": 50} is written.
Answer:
{"hour": 4, "minute": 35}
